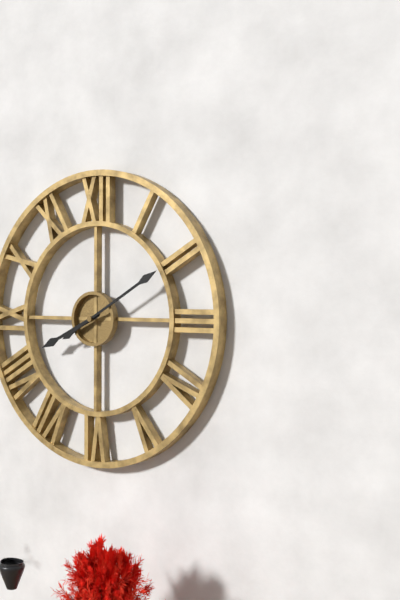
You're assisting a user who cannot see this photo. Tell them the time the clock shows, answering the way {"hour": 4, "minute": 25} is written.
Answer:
{"hour": 8, "minute": 10}
